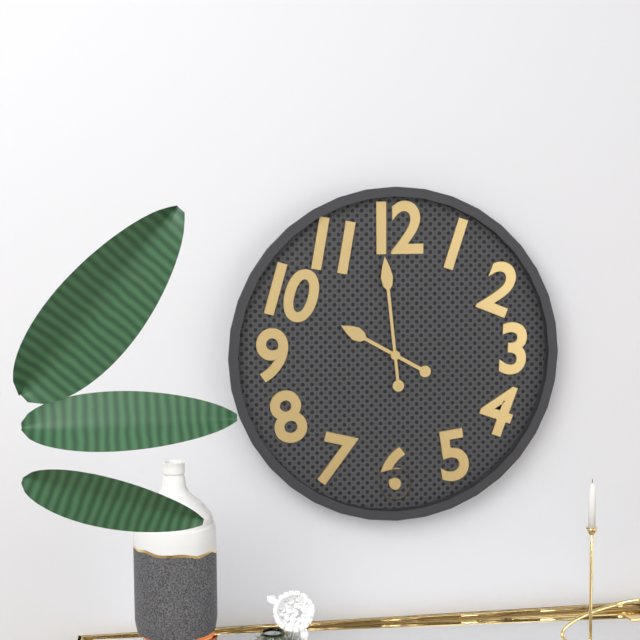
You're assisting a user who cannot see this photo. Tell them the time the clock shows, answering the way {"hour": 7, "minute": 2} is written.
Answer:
{"hour": 9, "minute": 59}
